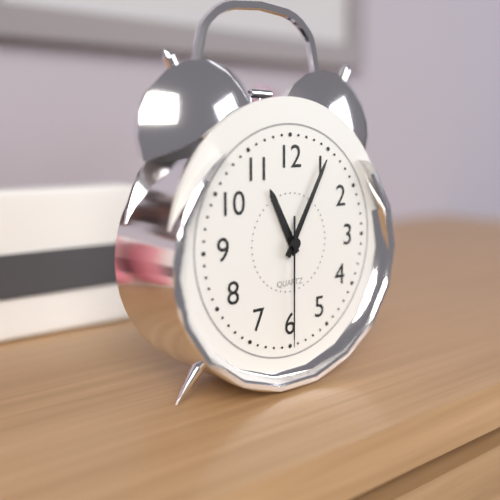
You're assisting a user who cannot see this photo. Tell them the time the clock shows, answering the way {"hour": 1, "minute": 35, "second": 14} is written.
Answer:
{"hour": 11, "minute": 5, "second": 30}
